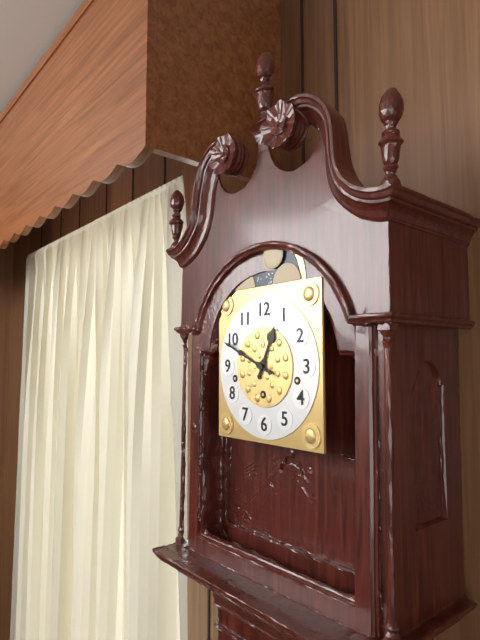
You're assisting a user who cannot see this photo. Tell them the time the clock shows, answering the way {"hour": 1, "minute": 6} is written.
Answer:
{"hour": 12, "minute": 49}
